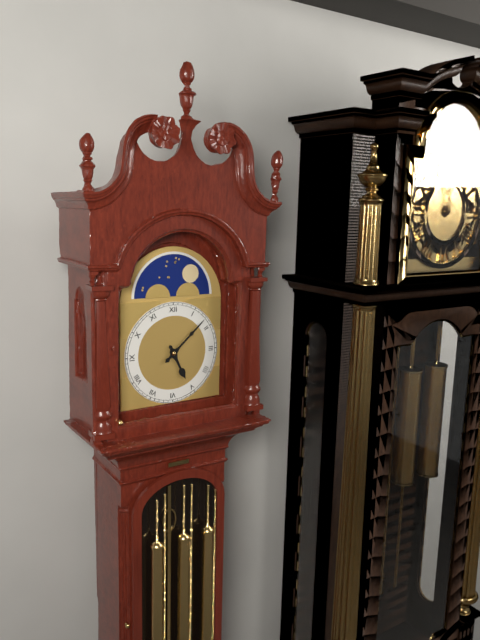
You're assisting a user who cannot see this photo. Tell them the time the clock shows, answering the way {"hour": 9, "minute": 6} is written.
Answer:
{"hour": 5, "minute": 8}
